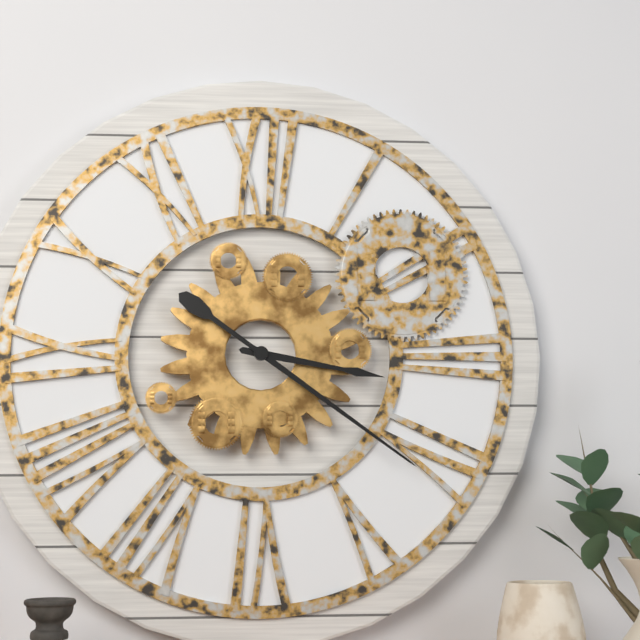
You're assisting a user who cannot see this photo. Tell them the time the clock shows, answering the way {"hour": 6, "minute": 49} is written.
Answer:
{"hour": 3, "minute": 21}
